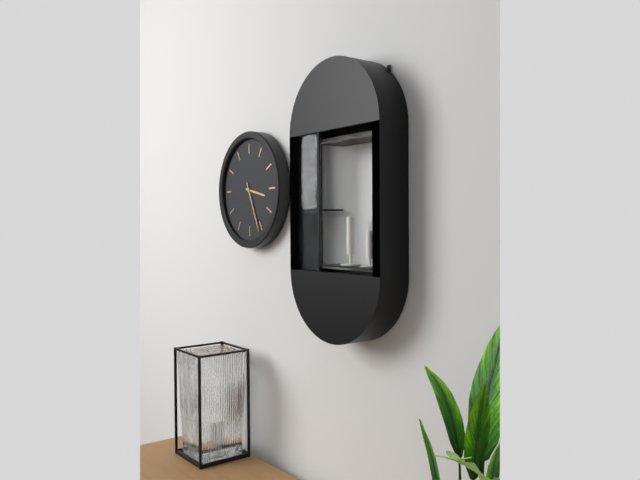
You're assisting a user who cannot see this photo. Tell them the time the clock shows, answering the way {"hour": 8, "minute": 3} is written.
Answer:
{"hour": 3, "minute": 26}
